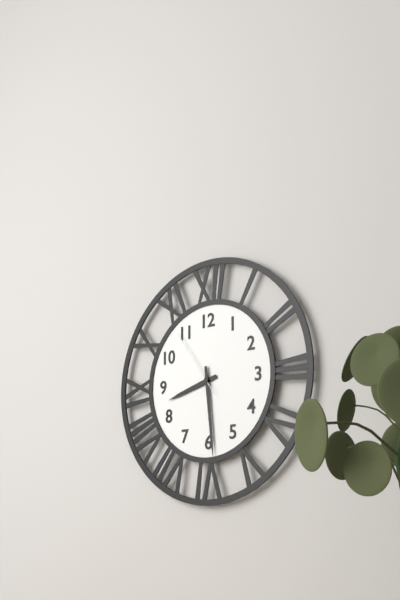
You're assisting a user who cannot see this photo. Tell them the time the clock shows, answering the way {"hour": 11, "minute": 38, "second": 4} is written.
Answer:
{"hour": 8, "minute": 29, "second": 54}
